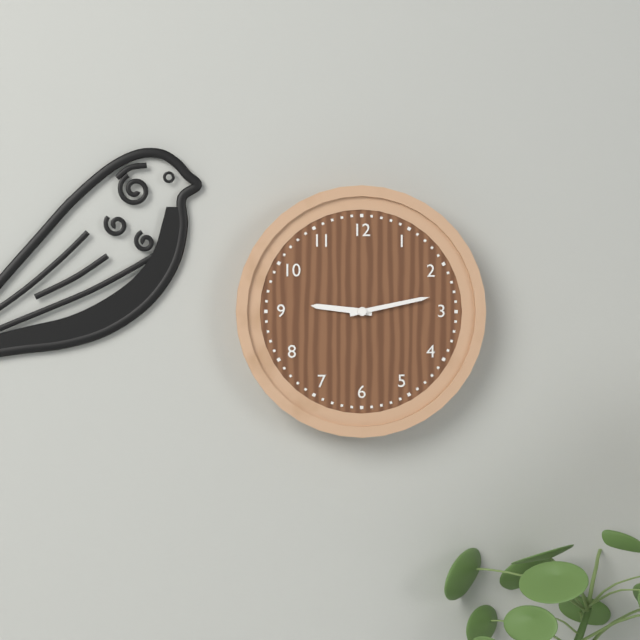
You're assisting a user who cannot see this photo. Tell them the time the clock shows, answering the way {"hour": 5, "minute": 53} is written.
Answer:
{"hour": 9, "minute": 13}
